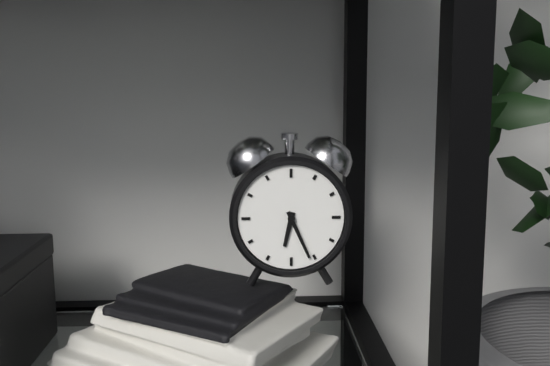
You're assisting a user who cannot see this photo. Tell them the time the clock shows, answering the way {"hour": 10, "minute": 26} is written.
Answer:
{"hour": 6, "minute": 26}
